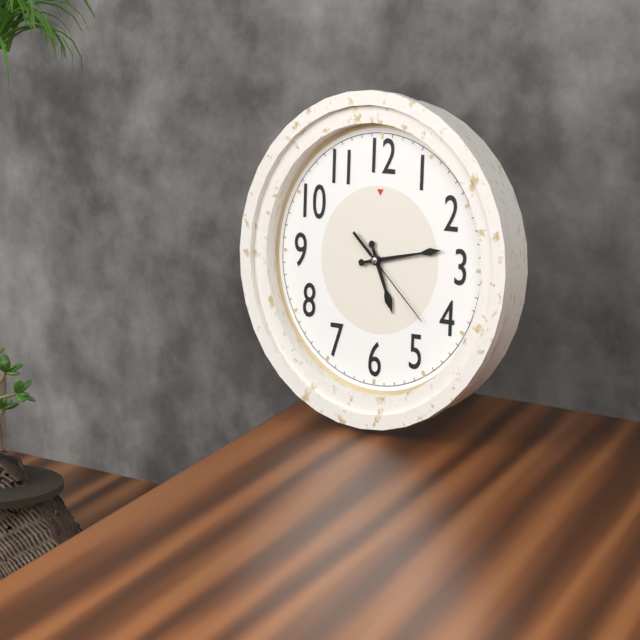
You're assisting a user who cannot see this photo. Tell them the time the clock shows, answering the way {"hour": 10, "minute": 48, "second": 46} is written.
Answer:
{"hour": 5, "minute": 13, "second": 22}
